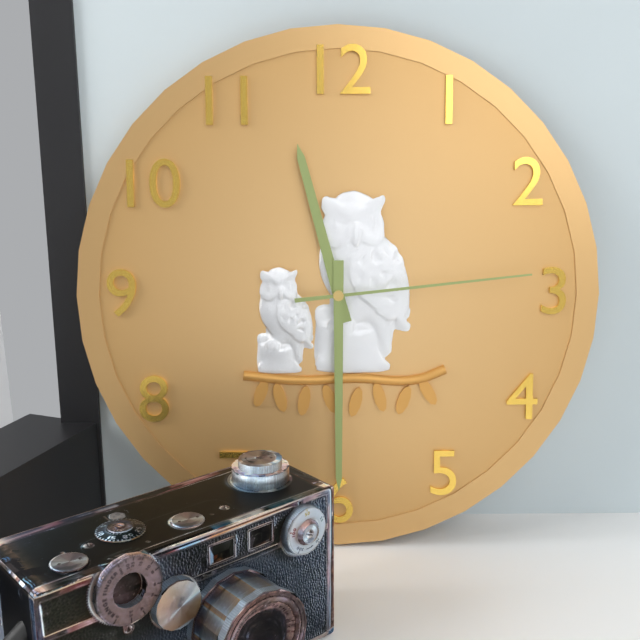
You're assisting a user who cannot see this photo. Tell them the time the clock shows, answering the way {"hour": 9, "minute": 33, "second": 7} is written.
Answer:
{"hour": 11, "minute": 30, "second": 14}
